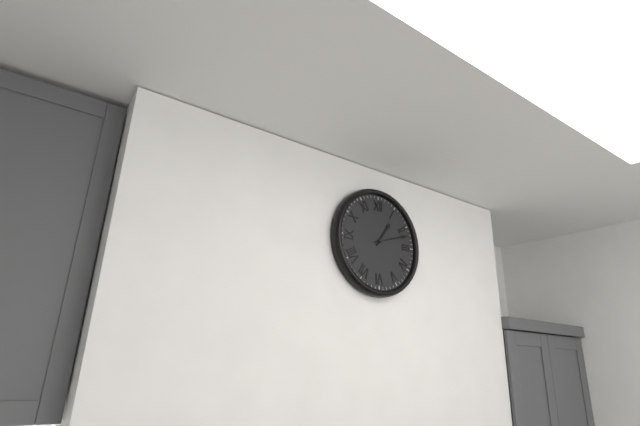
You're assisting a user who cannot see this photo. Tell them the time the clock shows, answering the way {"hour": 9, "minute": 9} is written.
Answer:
{"hour": 1, "minute": 12}
